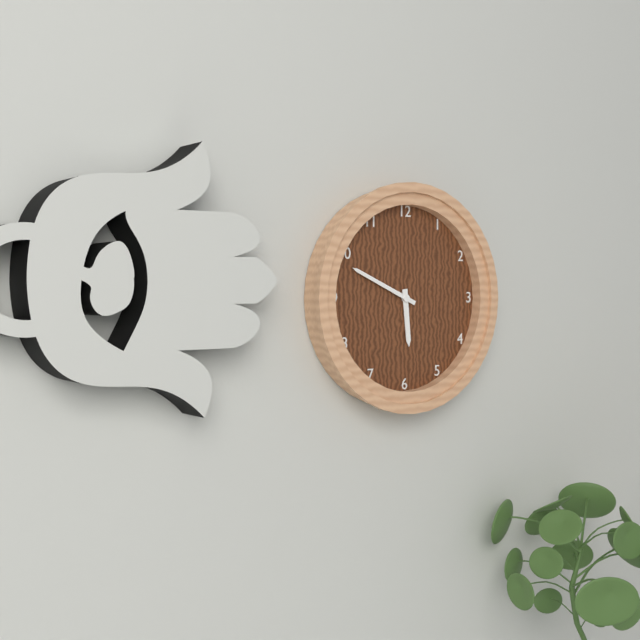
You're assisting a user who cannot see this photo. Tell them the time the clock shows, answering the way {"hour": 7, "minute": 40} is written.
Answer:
{"hour": 5, "minute": 49}
